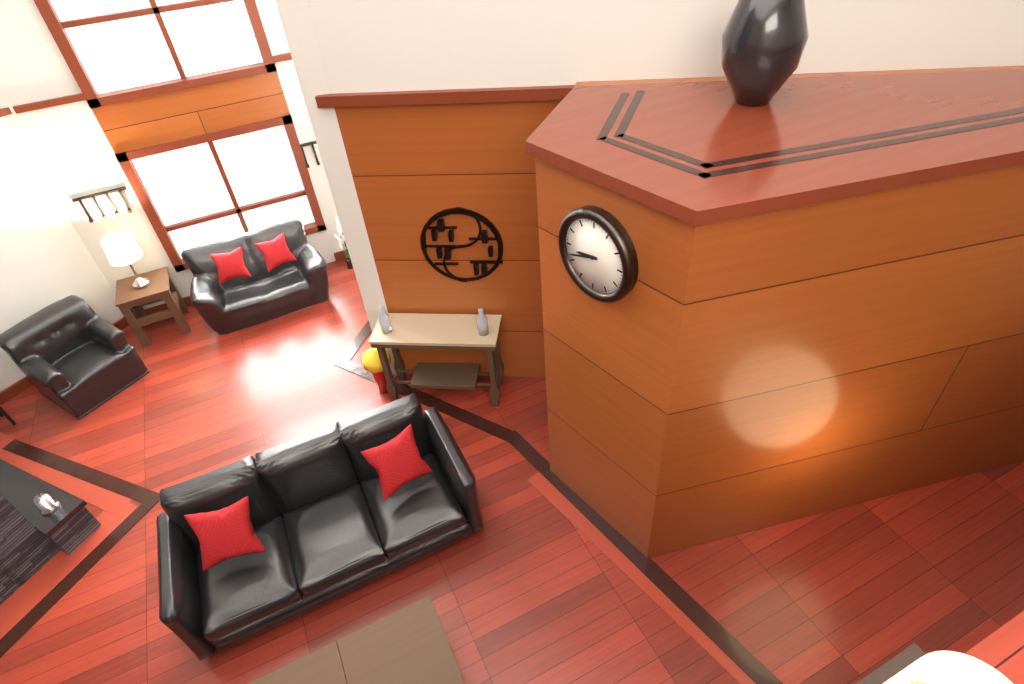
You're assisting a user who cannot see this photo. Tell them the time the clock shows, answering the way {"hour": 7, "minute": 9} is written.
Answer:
{"hour": 8, "minute": 42}
